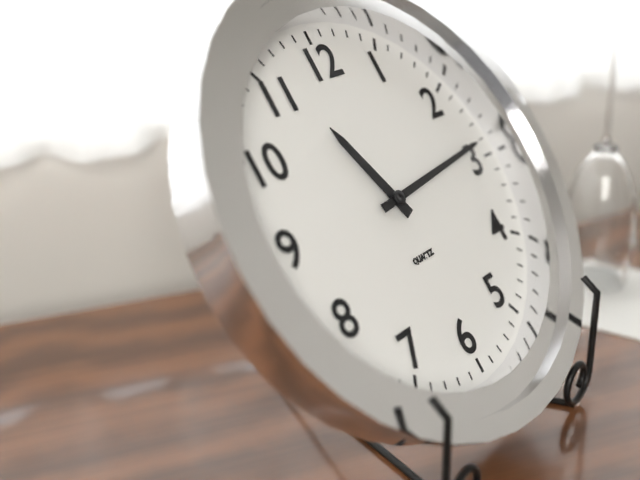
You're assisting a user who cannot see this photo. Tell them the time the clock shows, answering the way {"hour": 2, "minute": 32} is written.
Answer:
{"hour": 11, "minute": 14}
